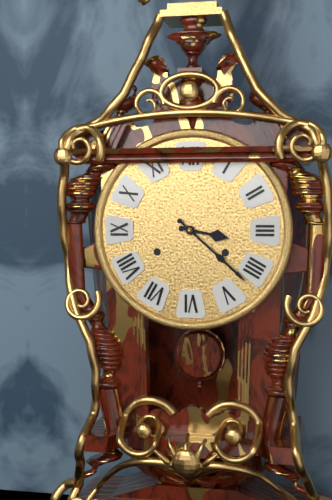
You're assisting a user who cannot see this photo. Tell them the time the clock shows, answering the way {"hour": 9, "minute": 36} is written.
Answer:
{"hour": 3, "minute": 22}
